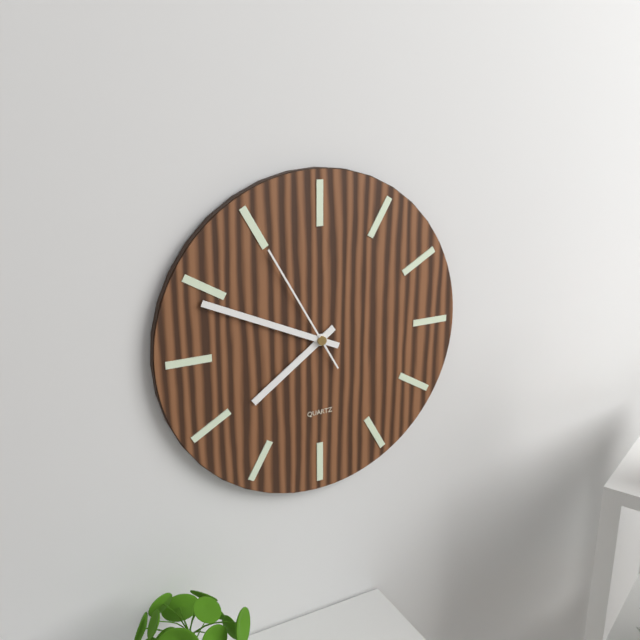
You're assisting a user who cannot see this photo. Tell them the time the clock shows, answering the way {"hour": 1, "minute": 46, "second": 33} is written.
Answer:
{"hour": 7, "minute": 49, "second": 55}
